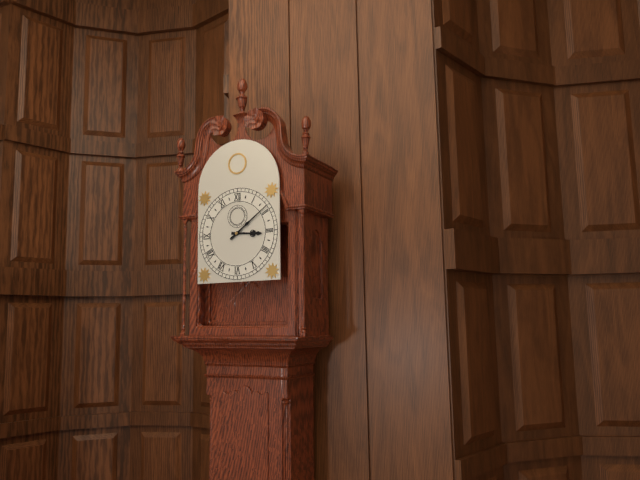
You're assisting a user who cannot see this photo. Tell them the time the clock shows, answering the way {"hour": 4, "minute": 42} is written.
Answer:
{"hour": 3, "minute": 9}
